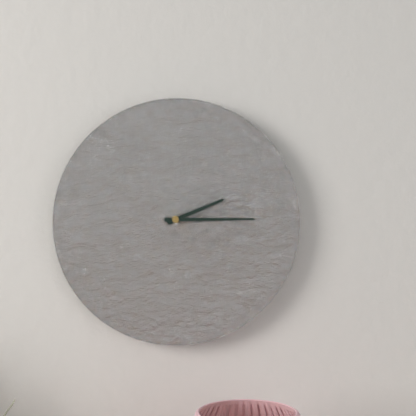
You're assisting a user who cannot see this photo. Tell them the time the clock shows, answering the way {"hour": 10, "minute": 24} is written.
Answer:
{"hour": 2, "minute": 15}
